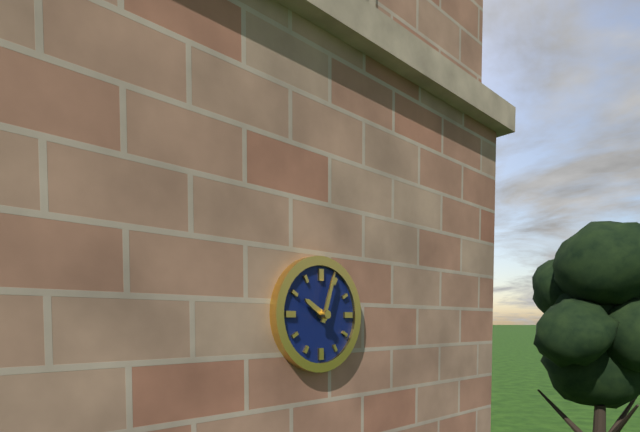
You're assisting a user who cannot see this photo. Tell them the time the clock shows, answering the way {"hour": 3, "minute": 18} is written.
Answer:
{"hour": 10, "minute": 3}
